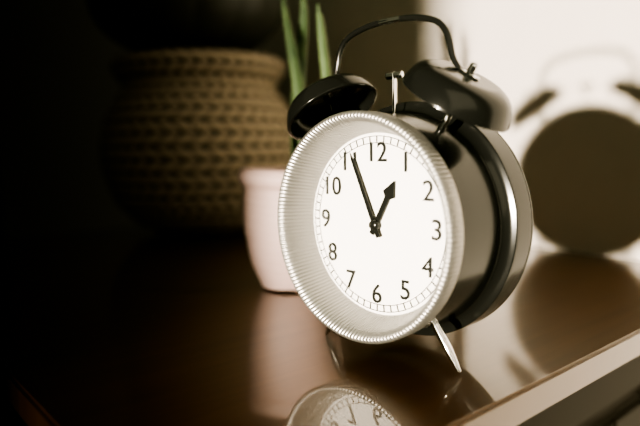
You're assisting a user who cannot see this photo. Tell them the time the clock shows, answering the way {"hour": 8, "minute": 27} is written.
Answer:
{"hour": 12, "minute": 56}
